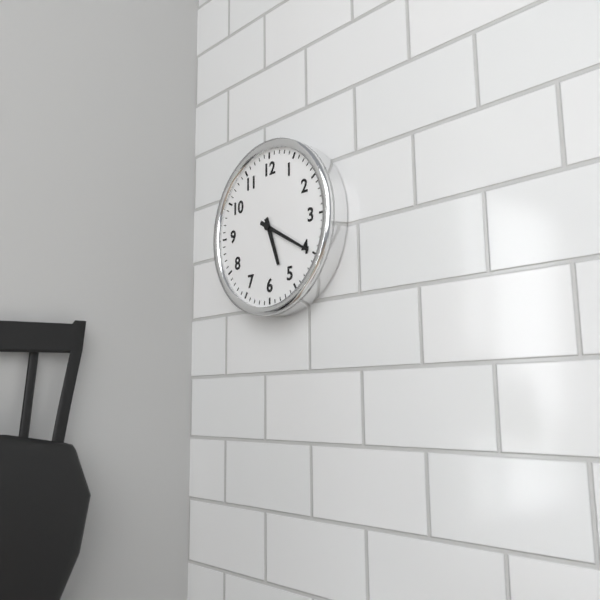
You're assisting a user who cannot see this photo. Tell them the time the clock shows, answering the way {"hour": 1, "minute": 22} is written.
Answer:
{"hour": 5, "minute": 20}
